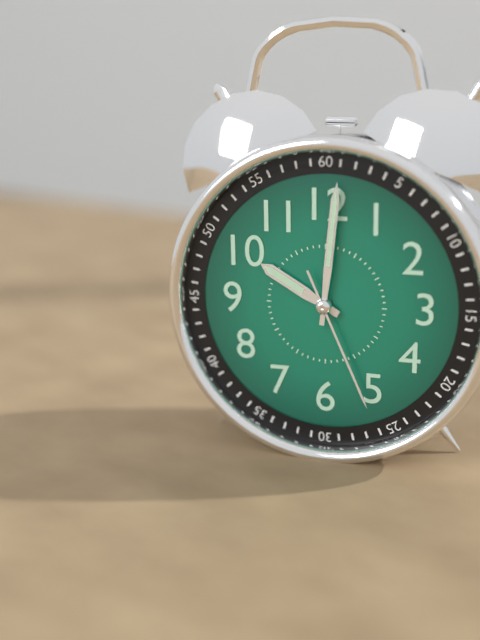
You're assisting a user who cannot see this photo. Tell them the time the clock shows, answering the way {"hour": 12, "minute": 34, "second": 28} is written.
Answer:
{"hour": 10, "minute": 1, "second": 26}
